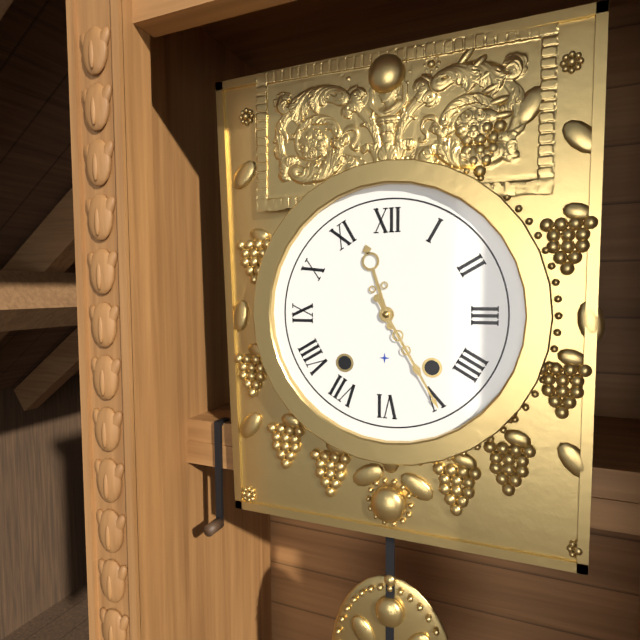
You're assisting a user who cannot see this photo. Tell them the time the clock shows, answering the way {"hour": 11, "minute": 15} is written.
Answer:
{"hour": 11, "minute": 25}
